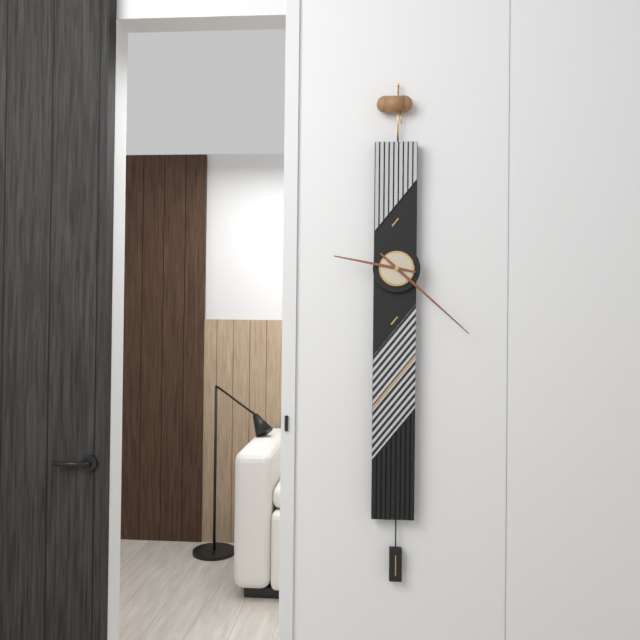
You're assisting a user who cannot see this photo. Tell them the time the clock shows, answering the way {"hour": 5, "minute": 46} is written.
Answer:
{"hour": 9, "minute": 22}
